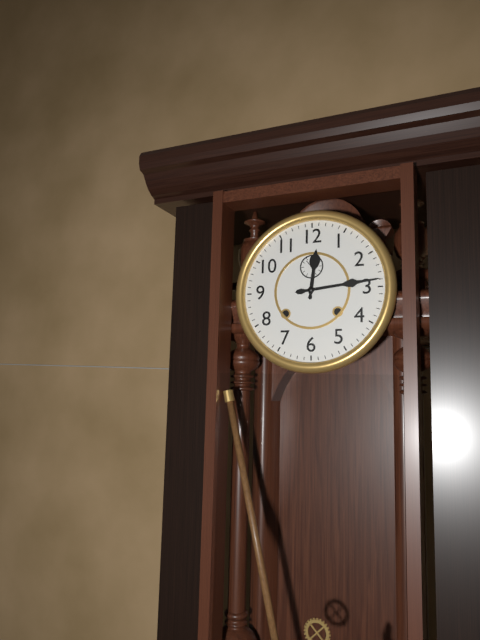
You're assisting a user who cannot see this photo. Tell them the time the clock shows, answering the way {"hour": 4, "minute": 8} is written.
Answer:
{"hour": 12, "minute": 14}
